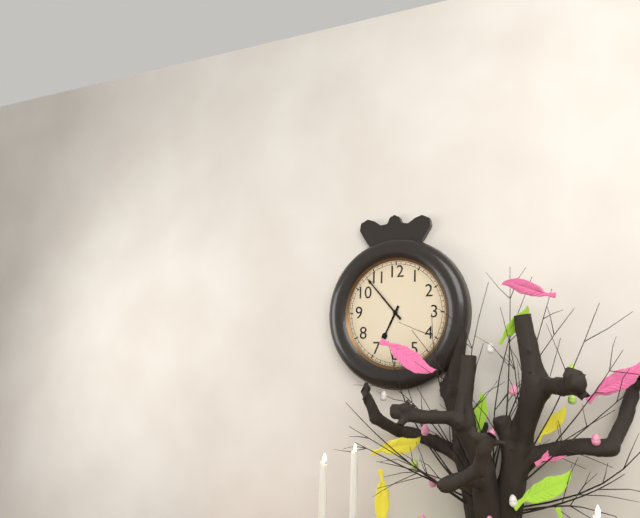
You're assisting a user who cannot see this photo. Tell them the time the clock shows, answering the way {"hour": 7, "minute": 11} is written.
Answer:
{"hour": 6, "minute": 53}
